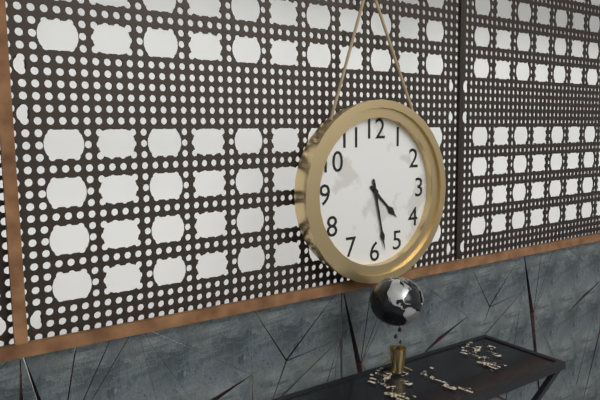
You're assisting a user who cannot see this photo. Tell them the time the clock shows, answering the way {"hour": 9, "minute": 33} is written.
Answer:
{"hour": 4, "minute": 28}
